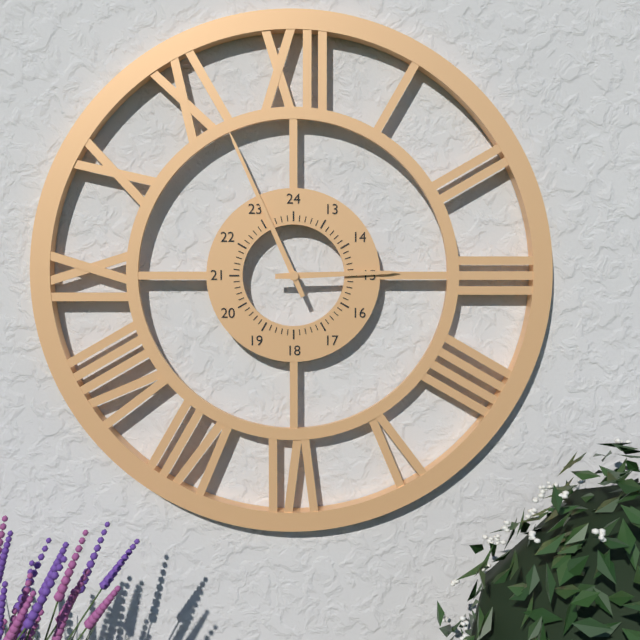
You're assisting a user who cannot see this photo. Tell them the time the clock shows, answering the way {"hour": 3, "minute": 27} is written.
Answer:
{"hour": 2, "minute": 56}
